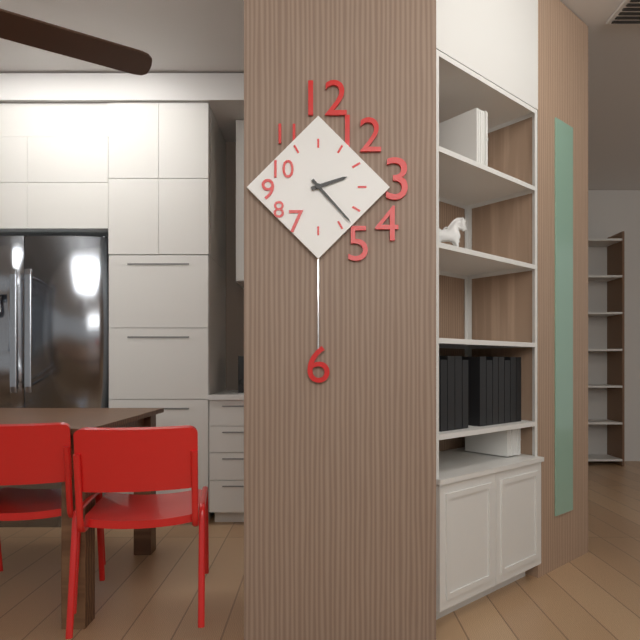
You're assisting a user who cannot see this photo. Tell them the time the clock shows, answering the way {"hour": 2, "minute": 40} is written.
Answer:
{"hour": 2, "minute": 23}
